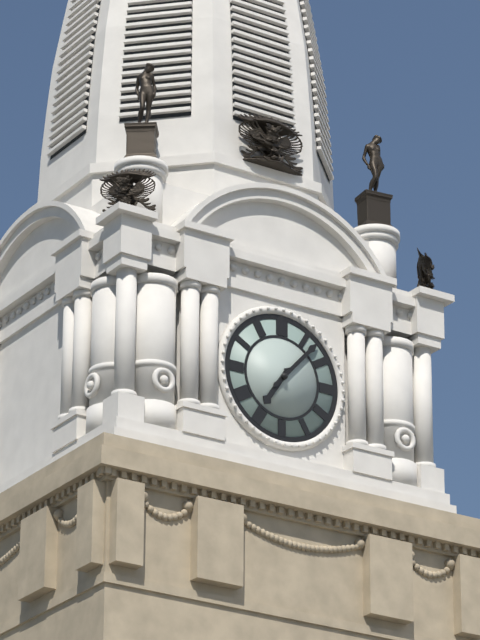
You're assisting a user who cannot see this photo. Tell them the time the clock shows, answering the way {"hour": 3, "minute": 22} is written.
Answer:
{"hour": 7, "minute": 7}
